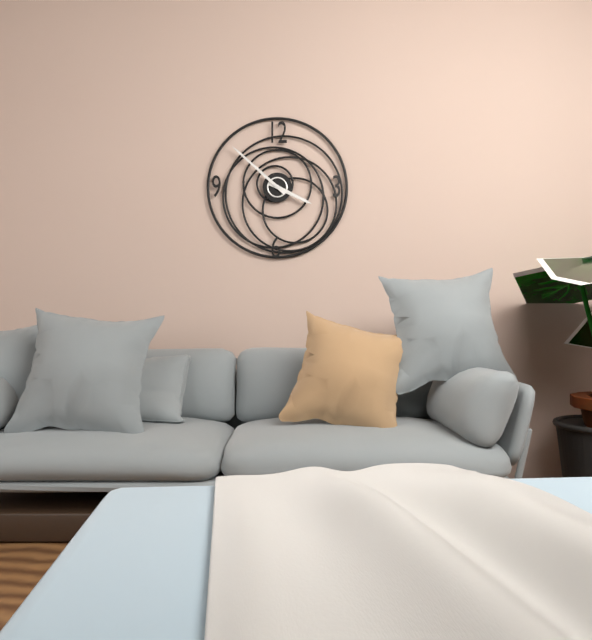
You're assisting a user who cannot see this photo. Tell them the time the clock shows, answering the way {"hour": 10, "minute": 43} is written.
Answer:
{"hour": 3, "minute": 52}
